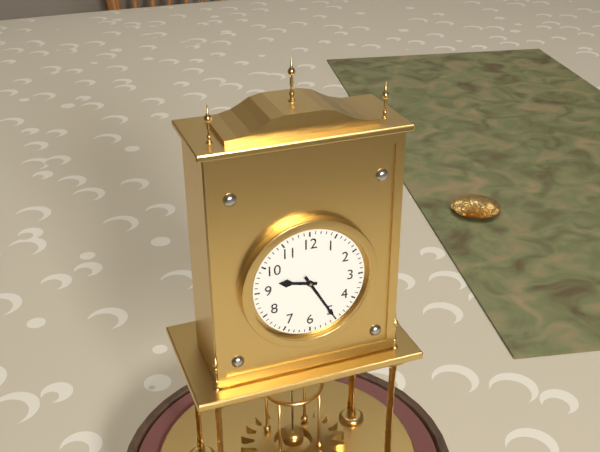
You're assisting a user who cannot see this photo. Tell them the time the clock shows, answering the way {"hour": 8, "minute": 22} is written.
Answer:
{"hour": 9, "minute": 25}
